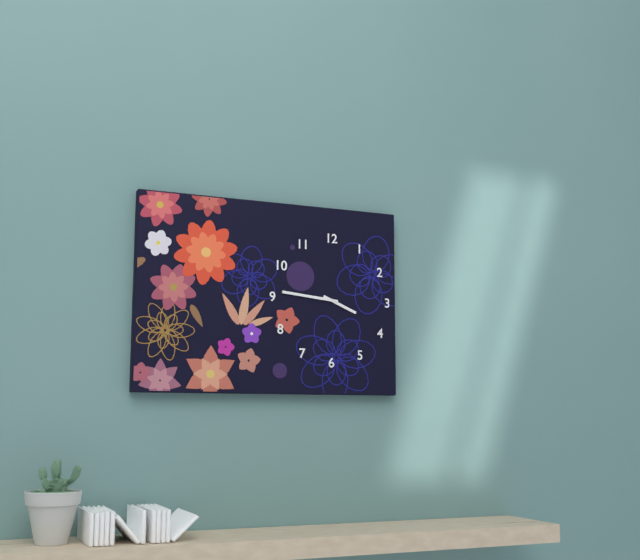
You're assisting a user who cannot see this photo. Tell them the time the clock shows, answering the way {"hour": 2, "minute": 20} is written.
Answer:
{"hour": 3, "minute": 46}
